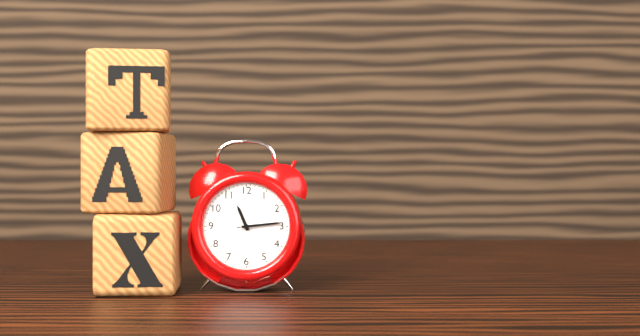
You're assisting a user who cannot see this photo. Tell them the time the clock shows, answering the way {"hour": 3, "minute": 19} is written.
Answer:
{"hour": 11, "minute": 14}
